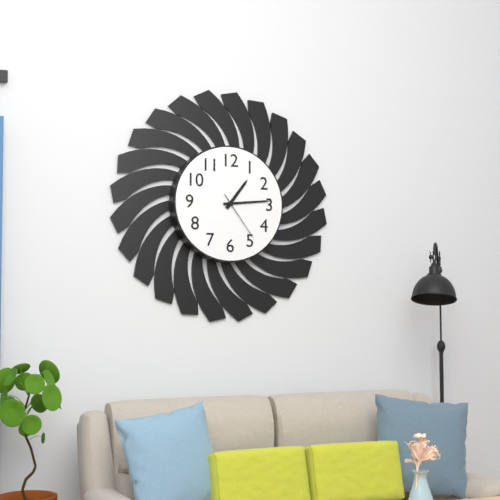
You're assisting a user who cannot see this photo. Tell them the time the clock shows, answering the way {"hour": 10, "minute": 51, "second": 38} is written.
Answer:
{"hour": 1, "minute": 14, "second": 24}
